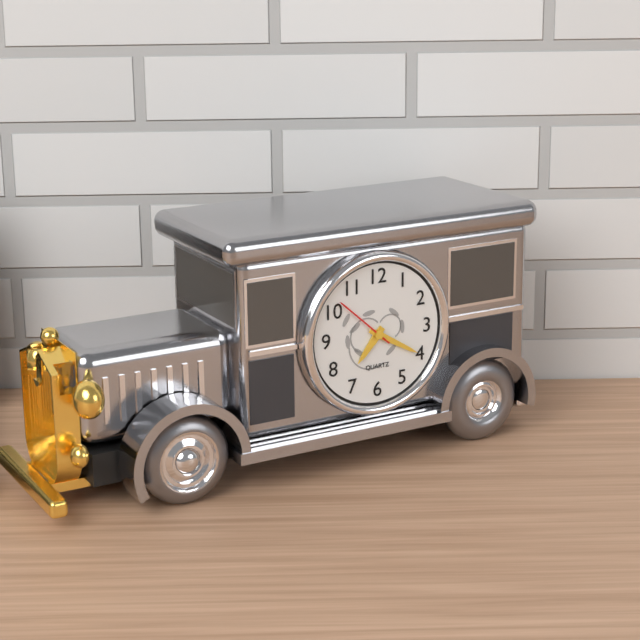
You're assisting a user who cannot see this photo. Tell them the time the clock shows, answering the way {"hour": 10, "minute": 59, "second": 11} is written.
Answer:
{"hour": 7, "minute": 20, "second": 52}
